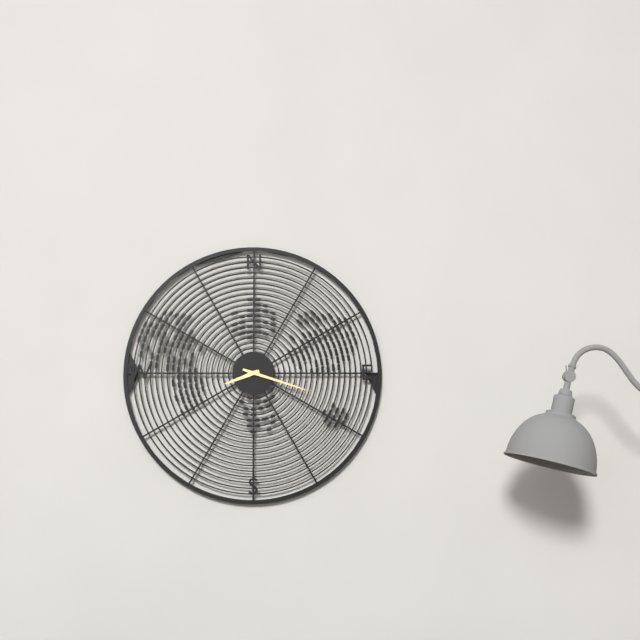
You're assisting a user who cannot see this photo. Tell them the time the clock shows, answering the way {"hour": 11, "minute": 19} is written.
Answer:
{"hour": 8, "minute": 18}
